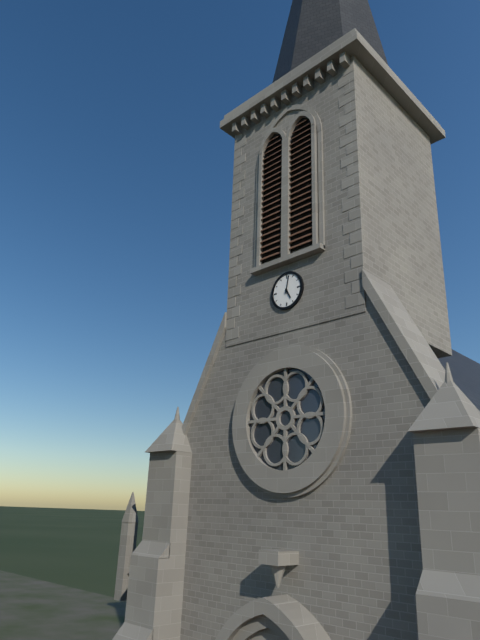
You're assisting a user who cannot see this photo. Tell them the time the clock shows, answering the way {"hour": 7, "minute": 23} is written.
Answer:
{"hour": 5, "minute": 2}
